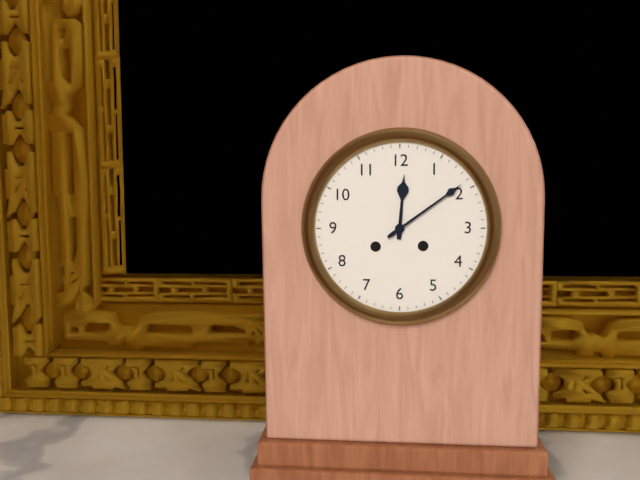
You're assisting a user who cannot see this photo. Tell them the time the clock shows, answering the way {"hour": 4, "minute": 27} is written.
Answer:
{"hour": 12, "minute": 9}
